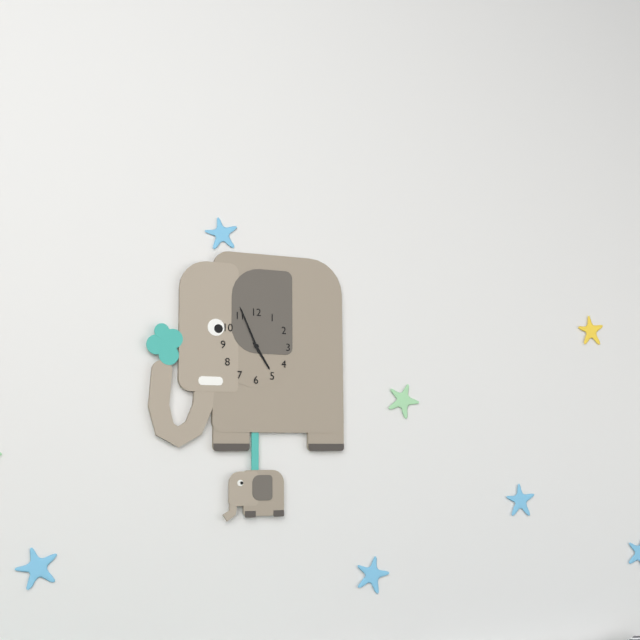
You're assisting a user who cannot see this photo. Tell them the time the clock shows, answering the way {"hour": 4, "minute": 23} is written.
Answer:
{"hour": 4, "minute": 56}
